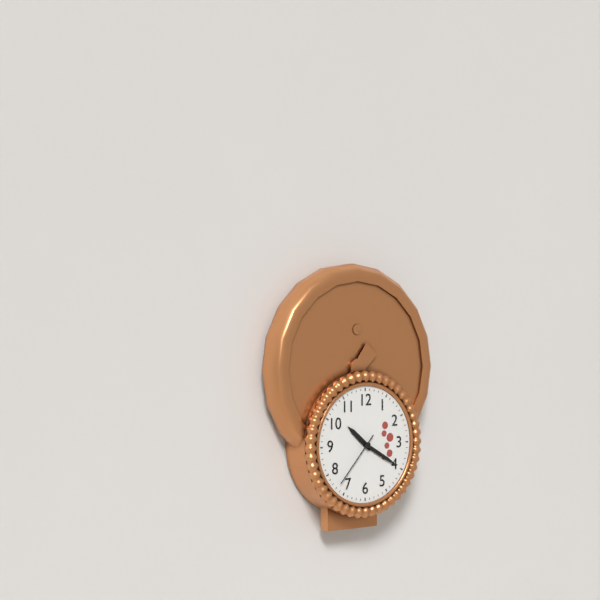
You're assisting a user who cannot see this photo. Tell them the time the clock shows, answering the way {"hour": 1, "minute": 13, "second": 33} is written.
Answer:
{"hour": 10, "minute": 20, "second": 37}
